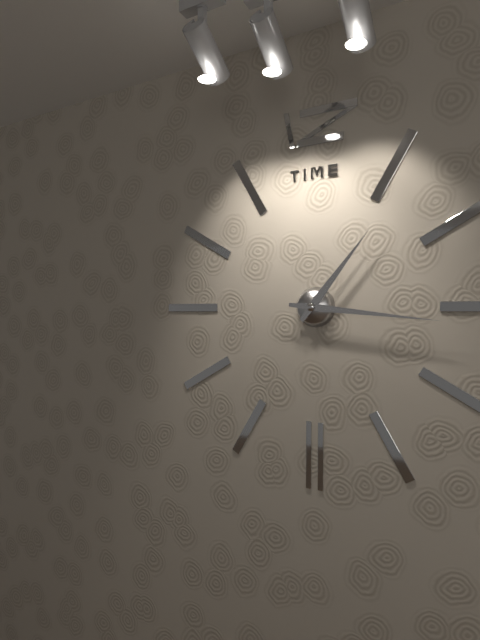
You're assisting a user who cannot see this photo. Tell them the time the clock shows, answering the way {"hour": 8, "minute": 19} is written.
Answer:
{"hour": 1, "minute": 16}
